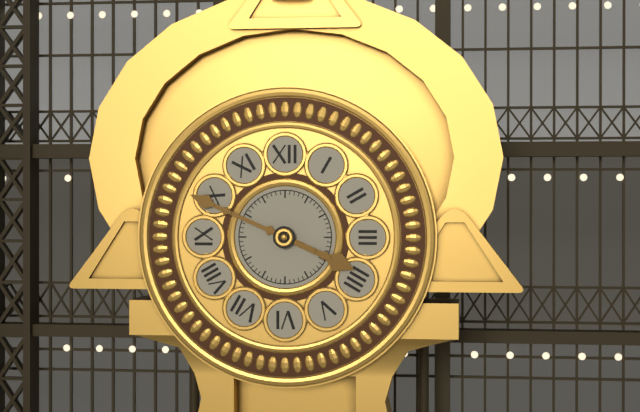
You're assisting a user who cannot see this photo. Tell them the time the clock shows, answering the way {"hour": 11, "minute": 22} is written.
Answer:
{"hour": 3, "minute": 49}
